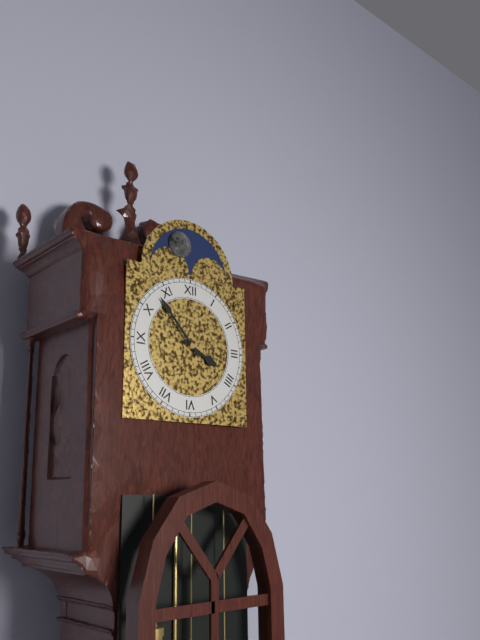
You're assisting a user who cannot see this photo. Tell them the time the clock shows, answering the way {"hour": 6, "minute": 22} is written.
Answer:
{"hour": 3, "minute": 53}
